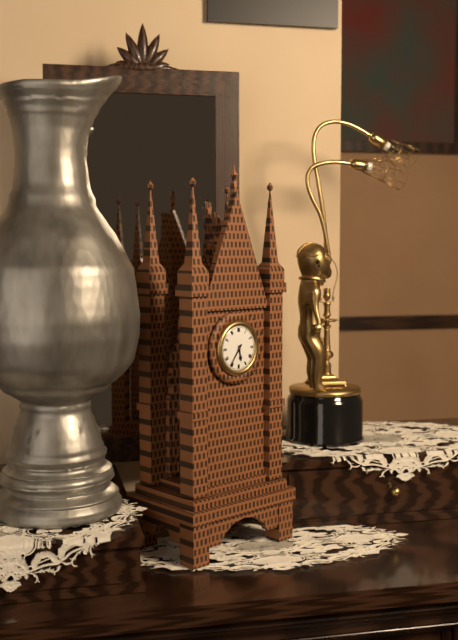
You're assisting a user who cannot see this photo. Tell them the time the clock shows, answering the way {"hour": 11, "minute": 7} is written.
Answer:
{"hour": 5, "minute": 36}
